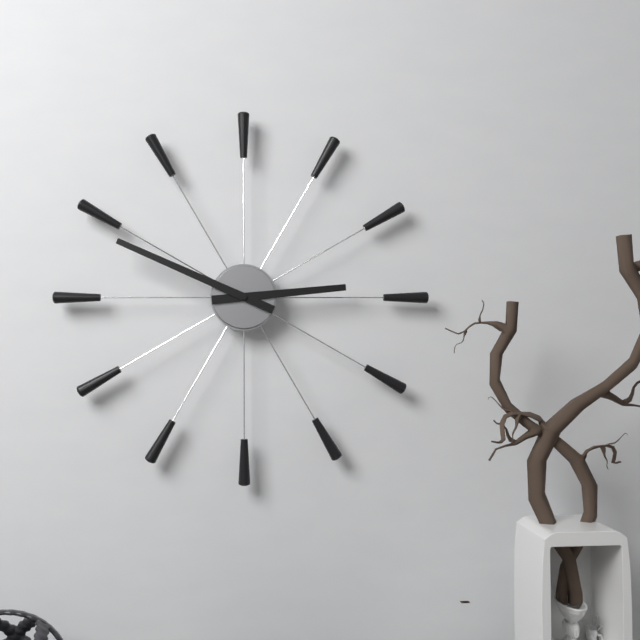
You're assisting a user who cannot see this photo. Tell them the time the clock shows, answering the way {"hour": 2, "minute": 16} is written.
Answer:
{"hour": 2, "minute": 49}
